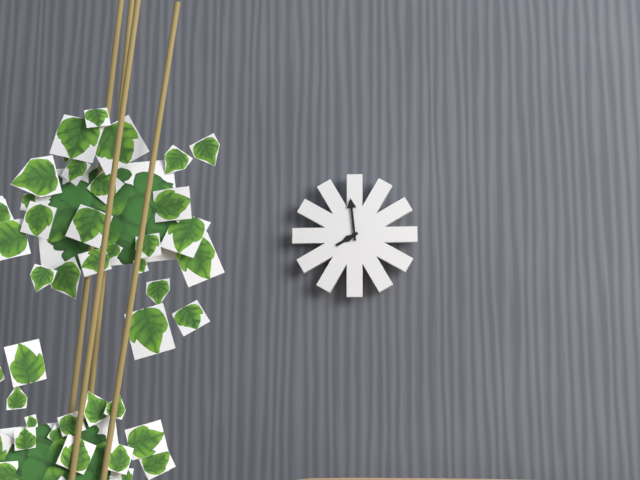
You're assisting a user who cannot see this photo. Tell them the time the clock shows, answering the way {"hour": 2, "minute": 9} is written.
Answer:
{"hour": 7, "minute": 59}
